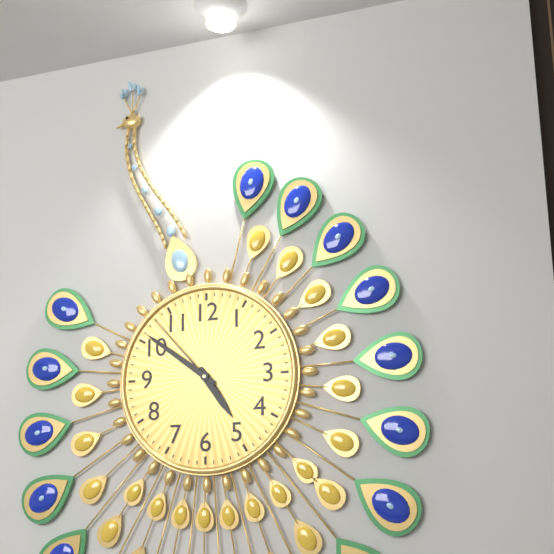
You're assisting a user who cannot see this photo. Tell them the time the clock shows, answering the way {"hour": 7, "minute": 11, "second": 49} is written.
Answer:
{"hour": 4, "minute": 51, "second": 53}
